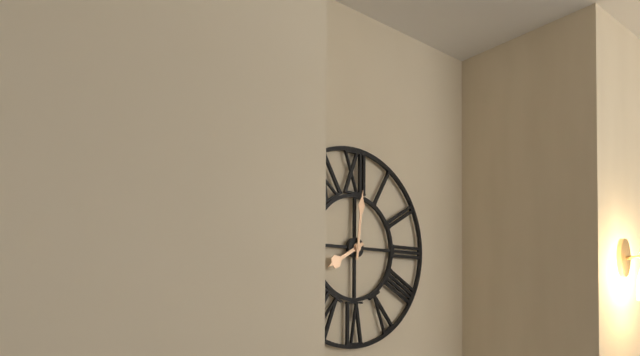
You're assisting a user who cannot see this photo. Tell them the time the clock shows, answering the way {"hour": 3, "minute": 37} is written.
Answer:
{"hour": 8, "minute": 1}
